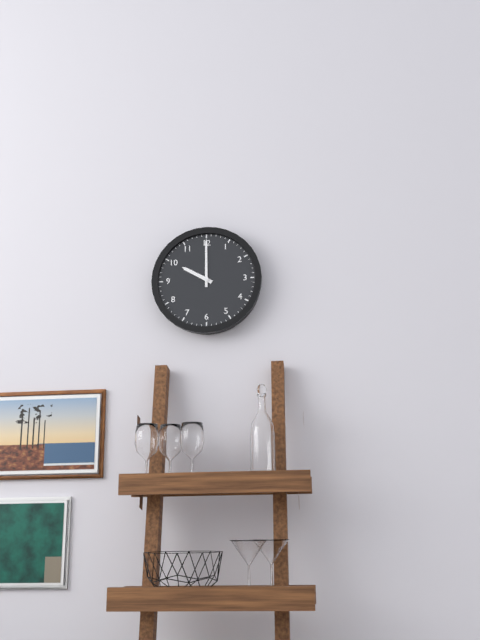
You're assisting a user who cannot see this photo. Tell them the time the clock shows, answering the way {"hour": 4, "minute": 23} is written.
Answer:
{"hour": 10, "minute": 0}
